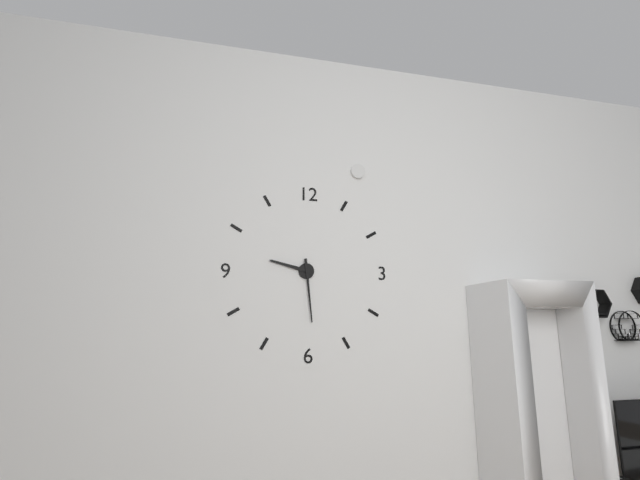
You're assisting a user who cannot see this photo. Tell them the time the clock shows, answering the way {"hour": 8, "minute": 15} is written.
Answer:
{"hour": 9, "minute": 29}
